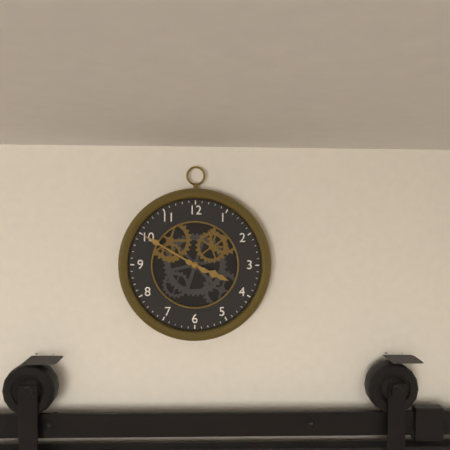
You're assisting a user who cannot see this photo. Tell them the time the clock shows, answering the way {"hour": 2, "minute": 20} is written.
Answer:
{"hour": 3, "minute": 50}
